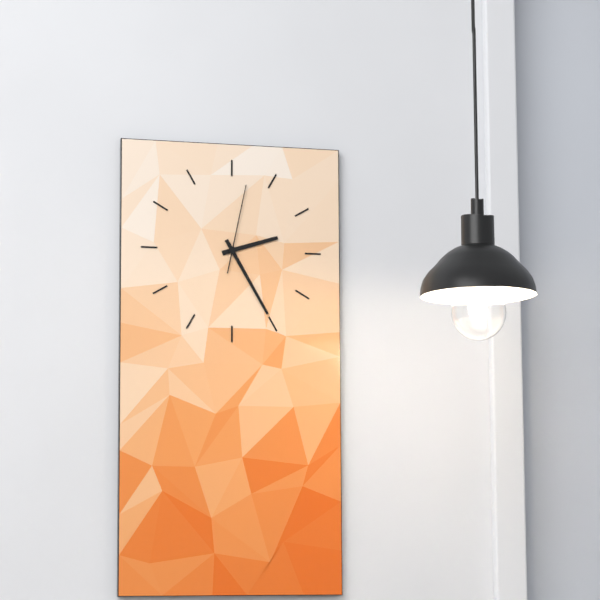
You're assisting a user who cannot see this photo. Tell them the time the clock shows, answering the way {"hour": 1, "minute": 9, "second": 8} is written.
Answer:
{"hour": 2, "minute": 25, "second": 2}
